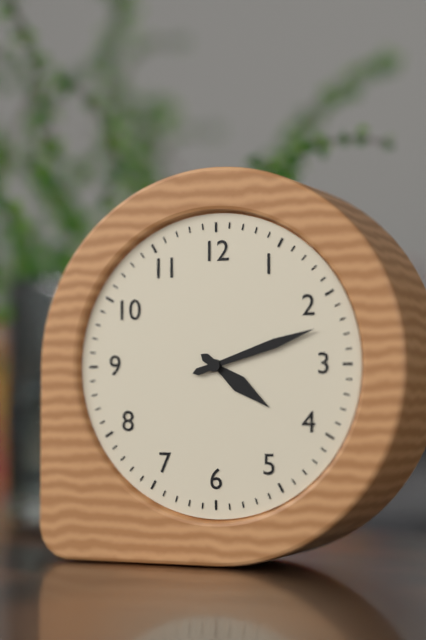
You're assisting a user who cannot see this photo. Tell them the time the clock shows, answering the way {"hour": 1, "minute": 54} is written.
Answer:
{"hour": 4, "minute": 12}
